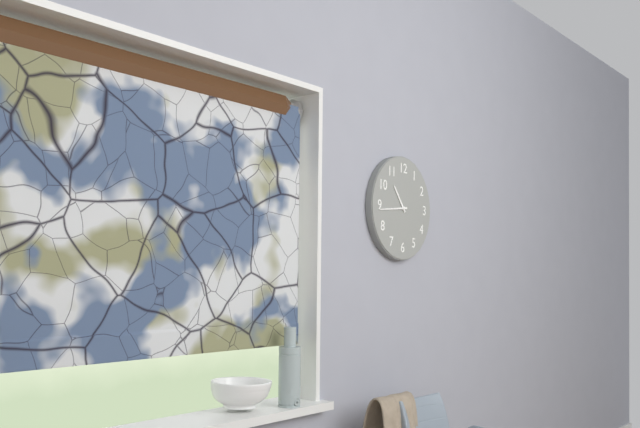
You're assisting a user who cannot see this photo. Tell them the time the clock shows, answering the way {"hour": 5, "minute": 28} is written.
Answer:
{"hour": 10, "minute": 44}
